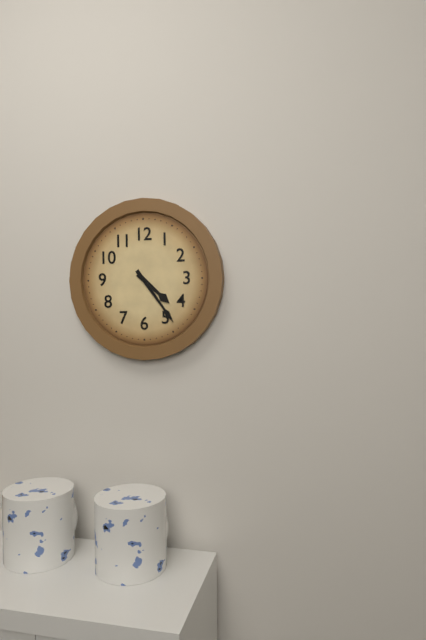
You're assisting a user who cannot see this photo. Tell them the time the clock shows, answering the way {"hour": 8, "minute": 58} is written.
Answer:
{"hour": 4, "minute": 24}
